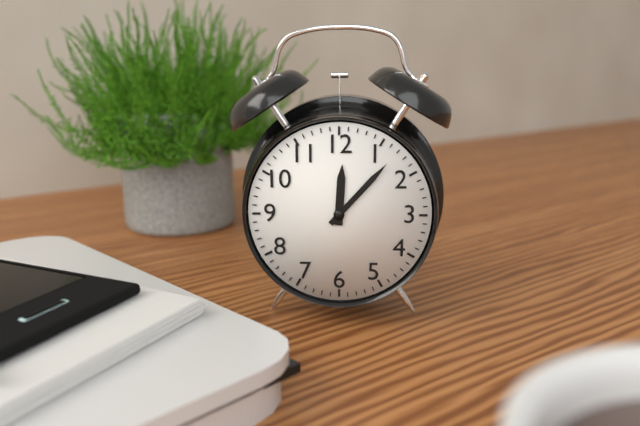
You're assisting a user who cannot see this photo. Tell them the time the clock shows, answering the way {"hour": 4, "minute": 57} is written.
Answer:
{"hour": 12, "minute": 7}
